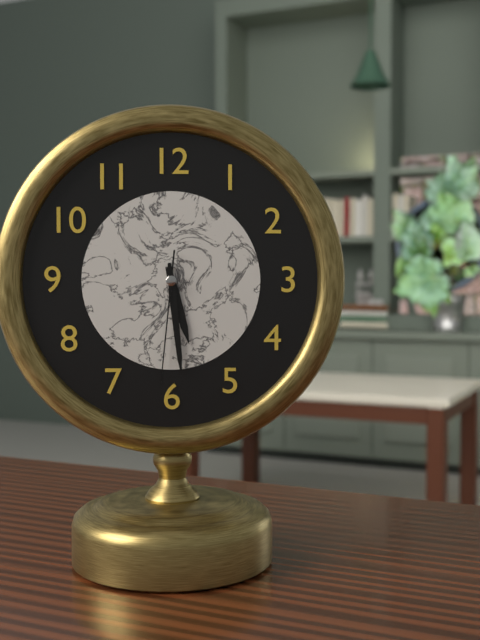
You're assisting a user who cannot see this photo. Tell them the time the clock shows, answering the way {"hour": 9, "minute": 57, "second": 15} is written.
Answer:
{"hour": 5, "minute": 29, "second": 31}
